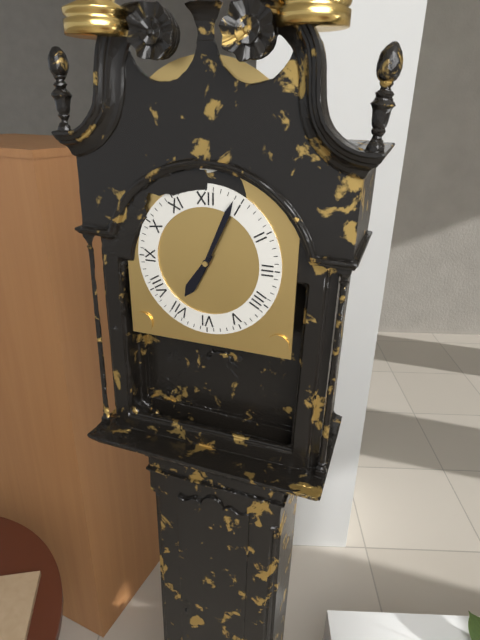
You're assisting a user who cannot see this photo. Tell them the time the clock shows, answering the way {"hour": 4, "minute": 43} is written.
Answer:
{"hour": 7, "minute": 4}
